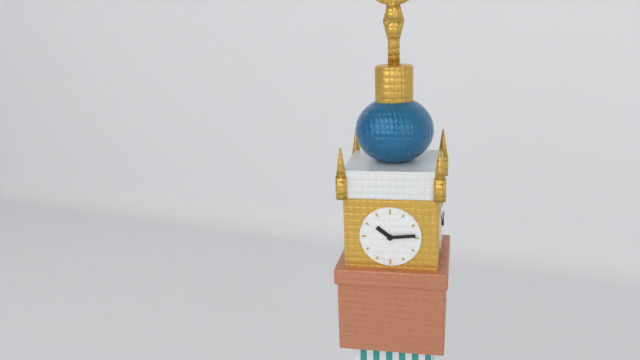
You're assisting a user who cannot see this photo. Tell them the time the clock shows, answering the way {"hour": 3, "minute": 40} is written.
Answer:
{"hour": 10, "minute": 14}
